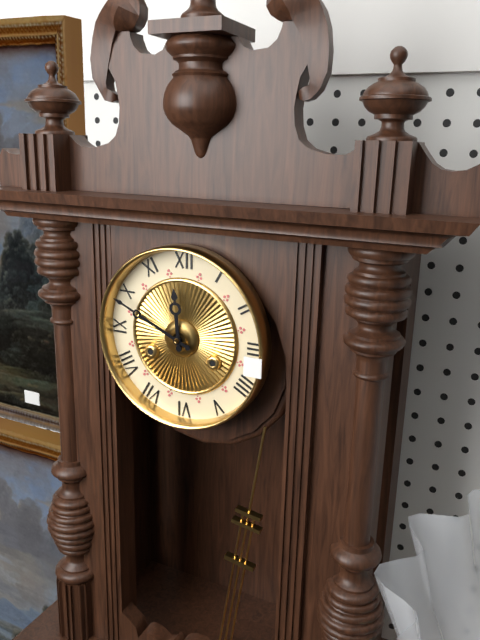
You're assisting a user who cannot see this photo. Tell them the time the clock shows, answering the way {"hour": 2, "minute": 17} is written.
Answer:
{"hour": 11, "minute": 49}
